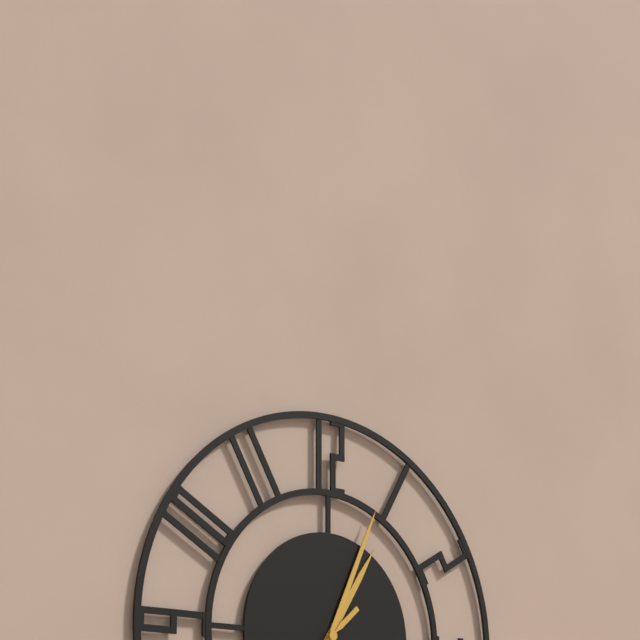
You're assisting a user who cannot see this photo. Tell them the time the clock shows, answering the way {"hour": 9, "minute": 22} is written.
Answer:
{"hour": 1, "minute": 4}
